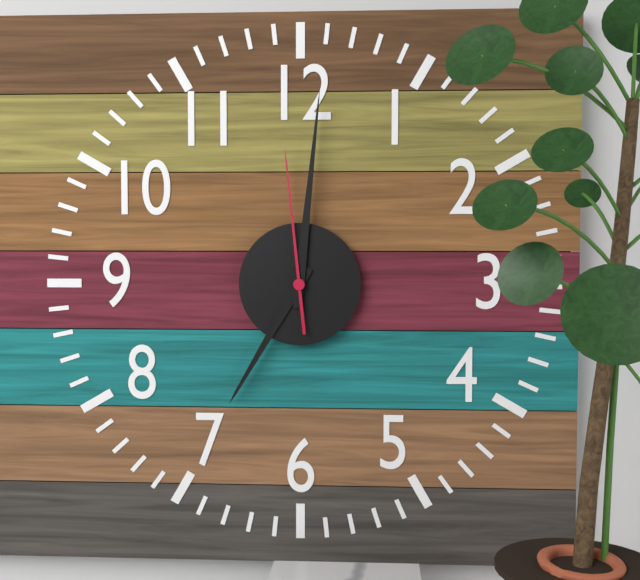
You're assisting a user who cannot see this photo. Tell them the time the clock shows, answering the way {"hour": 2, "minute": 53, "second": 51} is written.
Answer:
{"hour": 7, "minute": 1, "second": 59}
